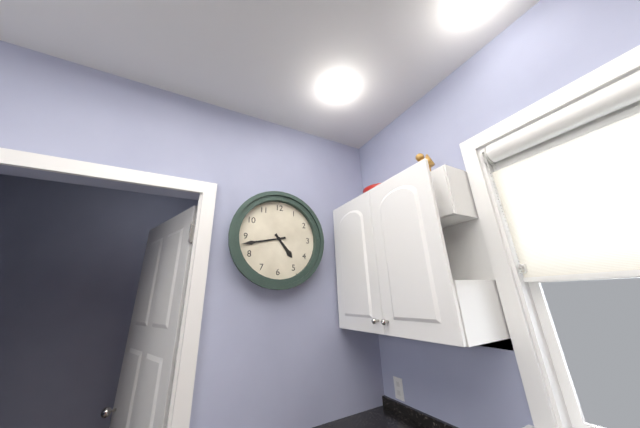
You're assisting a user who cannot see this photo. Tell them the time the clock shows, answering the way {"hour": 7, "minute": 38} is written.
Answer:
{"hour": 4, "minute": 43}
